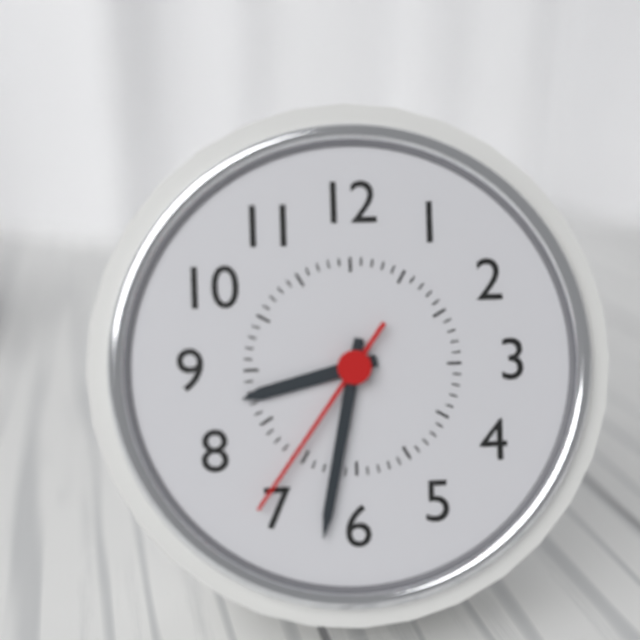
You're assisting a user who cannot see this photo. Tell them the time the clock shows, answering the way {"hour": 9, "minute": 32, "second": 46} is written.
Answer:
{"hour": 8, "minute": 32, "second": 36}
